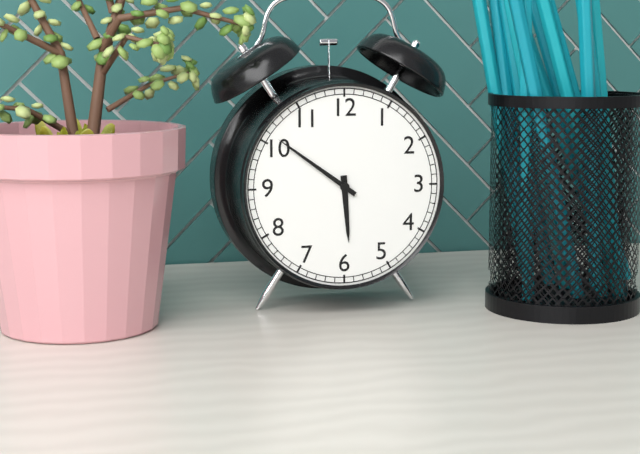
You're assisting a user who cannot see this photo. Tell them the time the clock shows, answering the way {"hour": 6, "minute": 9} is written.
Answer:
{"hour": 5, "minute": 51}
